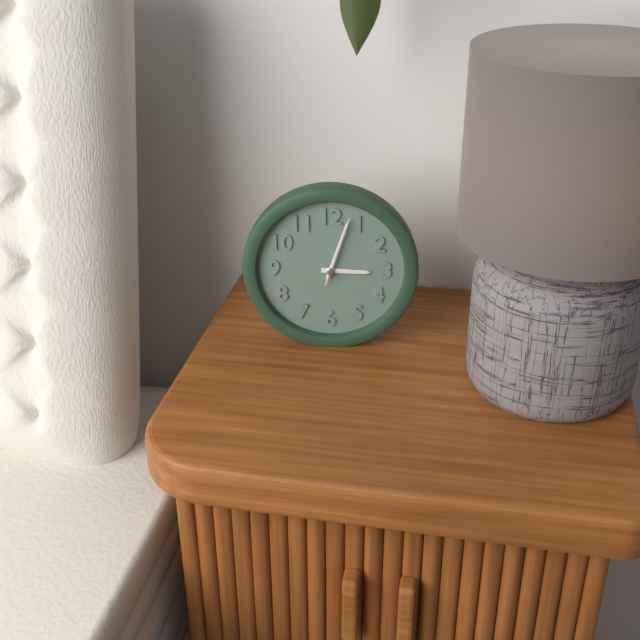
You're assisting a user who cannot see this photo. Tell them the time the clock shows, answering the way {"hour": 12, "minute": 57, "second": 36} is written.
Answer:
{"hour": 3, "minute": 3, "second": 3}
